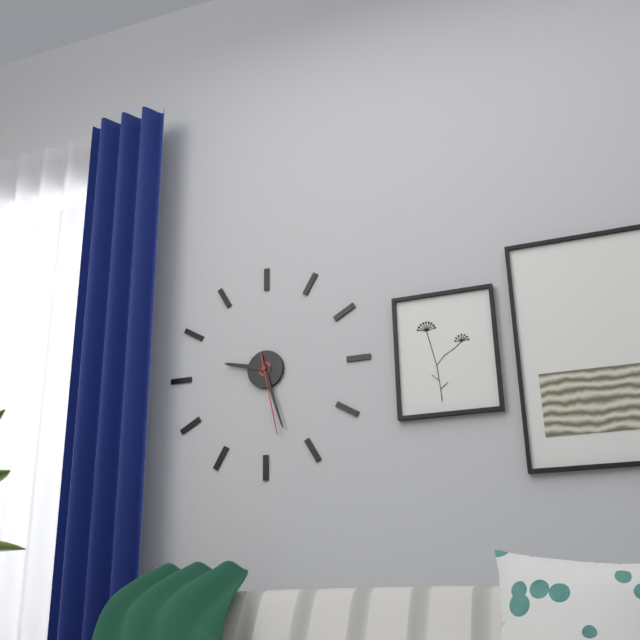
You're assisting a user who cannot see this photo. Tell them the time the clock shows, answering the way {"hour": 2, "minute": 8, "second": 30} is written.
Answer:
{"hour": 9, "minute": 27, "second": 28}
